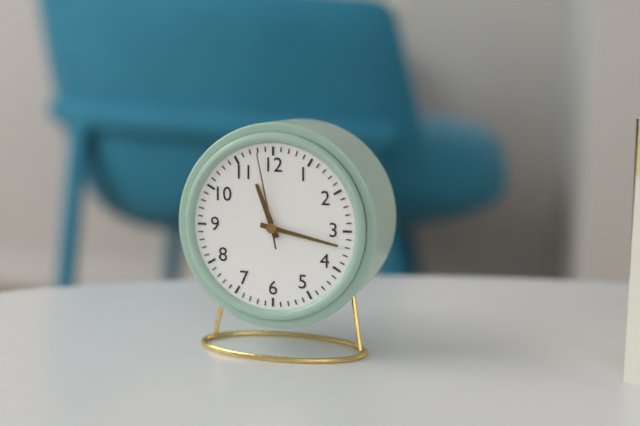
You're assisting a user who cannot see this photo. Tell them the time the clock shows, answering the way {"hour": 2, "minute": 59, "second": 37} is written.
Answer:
{"hour": 11, "minute": 17, "second": 58}
